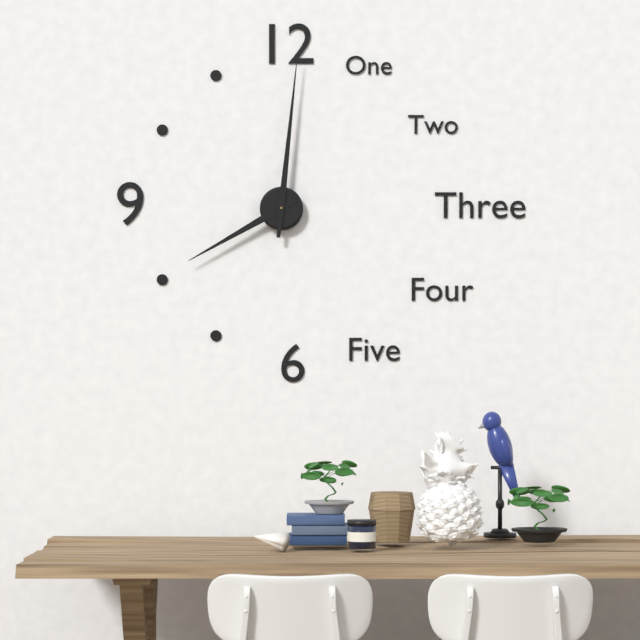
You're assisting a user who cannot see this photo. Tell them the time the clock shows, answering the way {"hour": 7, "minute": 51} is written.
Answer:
{"hour": 8, "minute": 1}
